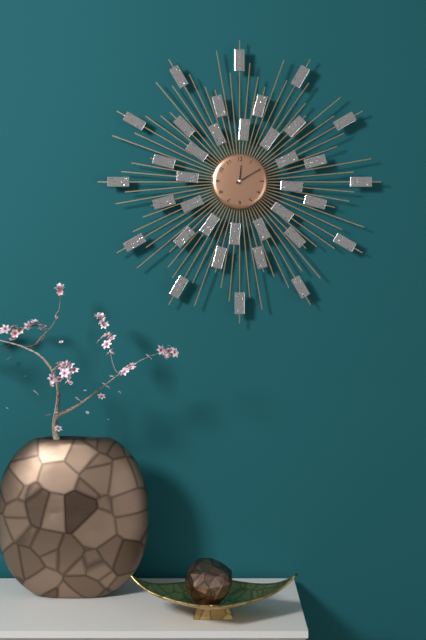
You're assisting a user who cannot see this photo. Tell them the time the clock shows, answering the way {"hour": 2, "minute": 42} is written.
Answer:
{"hour": 12, "minute": 10}
